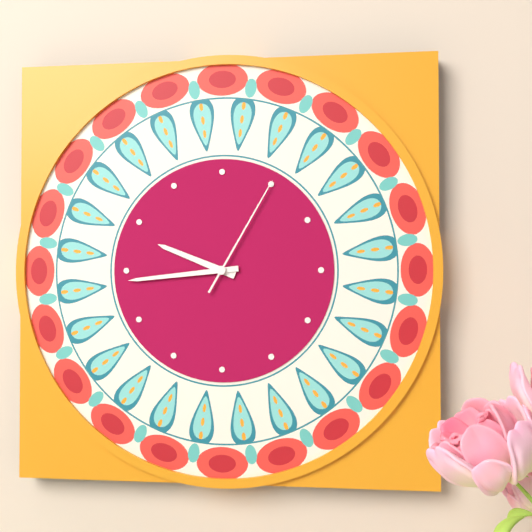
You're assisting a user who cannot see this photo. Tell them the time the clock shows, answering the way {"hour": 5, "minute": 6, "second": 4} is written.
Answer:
{"hour": 9, "minute": 44, "second": 5}
